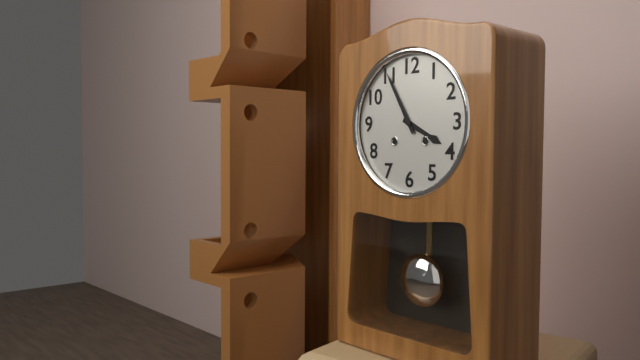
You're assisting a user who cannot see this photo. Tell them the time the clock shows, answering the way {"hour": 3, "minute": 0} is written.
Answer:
{"hour": 3, "minute": 55}
